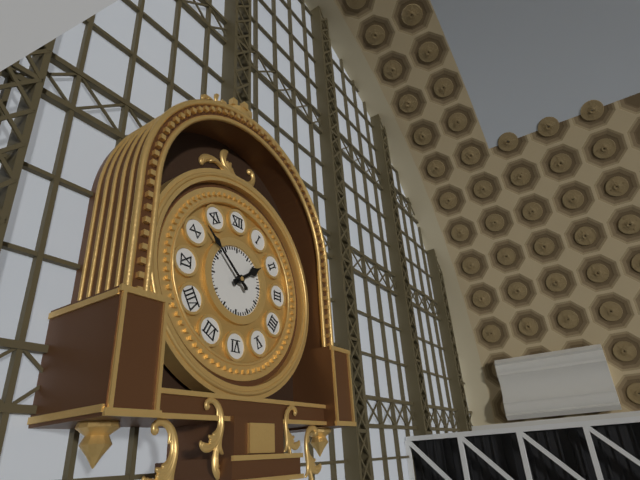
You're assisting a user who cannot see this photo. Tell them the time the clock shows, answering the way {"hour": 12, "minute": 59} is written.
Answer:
{"hour": 1, "minute": 52}
